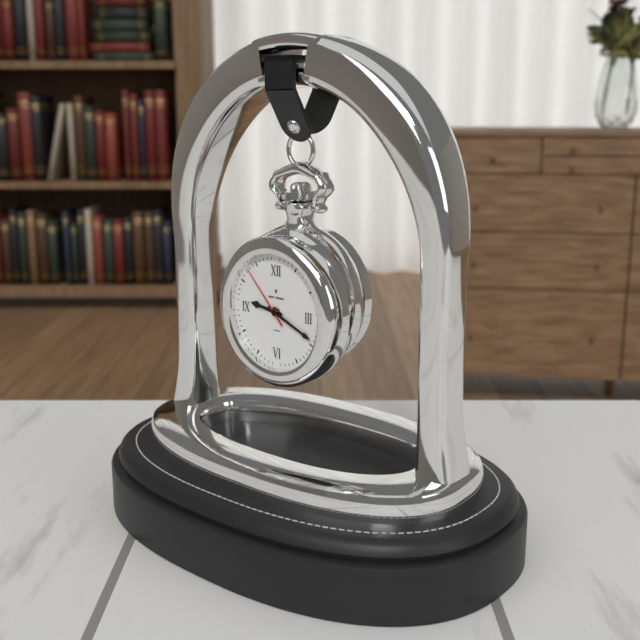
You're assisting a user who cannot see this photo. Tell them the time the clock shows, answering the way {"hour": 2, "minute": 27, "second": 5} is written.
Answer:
{"hour": 9, "minute": 19, "second": 53}
